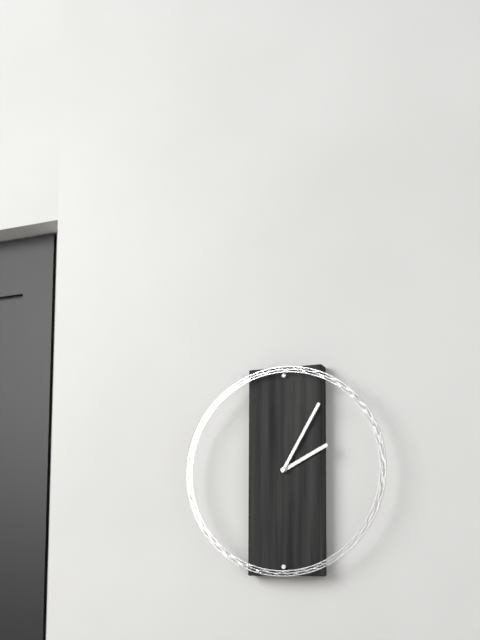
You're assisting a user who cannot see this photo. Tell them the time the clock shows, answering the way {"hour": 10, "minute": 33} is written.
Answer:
{"hour": 2, "minute": 5}
